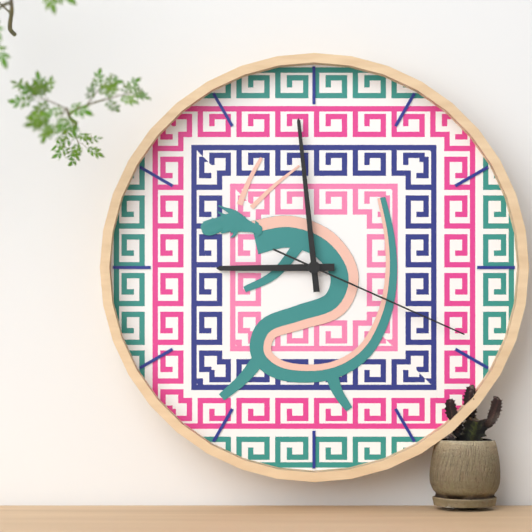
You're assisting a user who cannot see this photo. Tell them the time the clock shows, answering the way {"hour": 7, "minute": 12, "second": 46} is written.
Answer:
{"hour": 8, "minute": 59, "second": 19}
